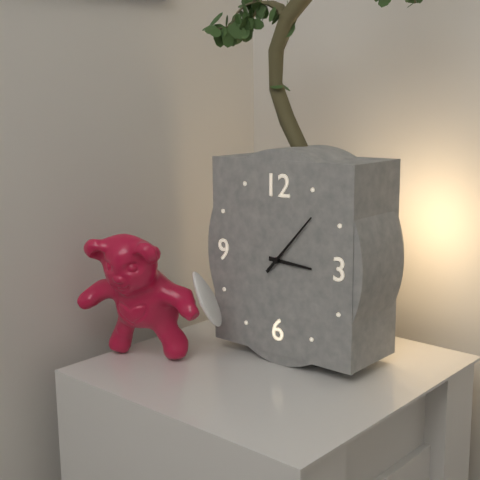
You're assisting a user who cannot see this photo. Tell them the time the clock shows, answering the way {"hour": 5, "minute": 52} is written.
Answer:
{"hour": 3, "minute": 7}
